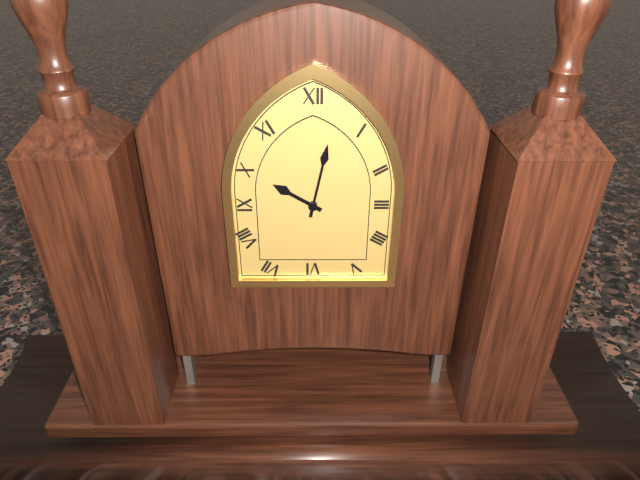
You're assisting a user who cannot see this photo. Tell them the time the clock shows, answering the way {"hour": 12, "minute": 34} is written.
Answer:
{"hour": 10, "minute": 2}
